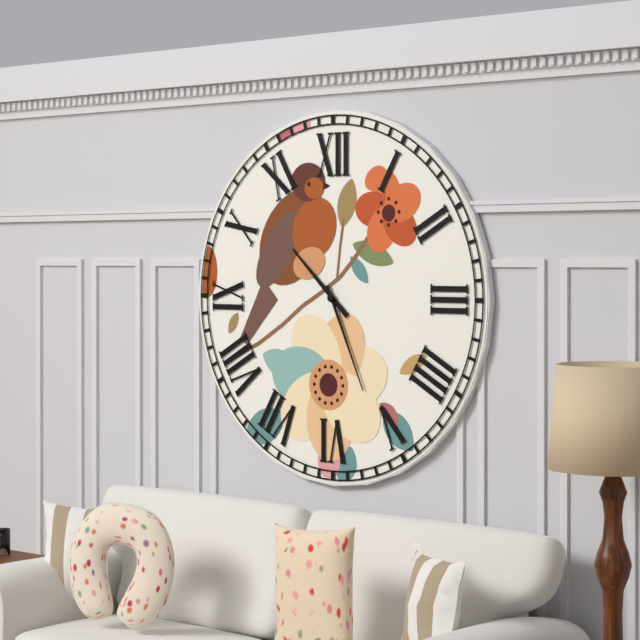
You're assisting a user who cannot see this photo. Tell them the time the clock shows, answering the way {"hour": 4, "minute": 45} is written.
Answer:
{"hour": 10, "minute": 26}
